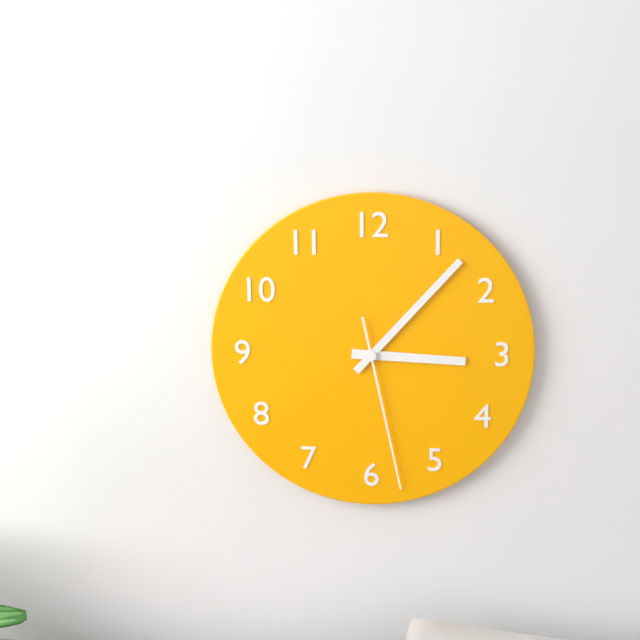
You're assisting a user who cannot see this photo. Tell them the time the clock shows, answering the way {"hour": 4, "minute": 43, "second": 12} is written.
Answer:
{"hour": 3, "minute": 7, "second": 28}
